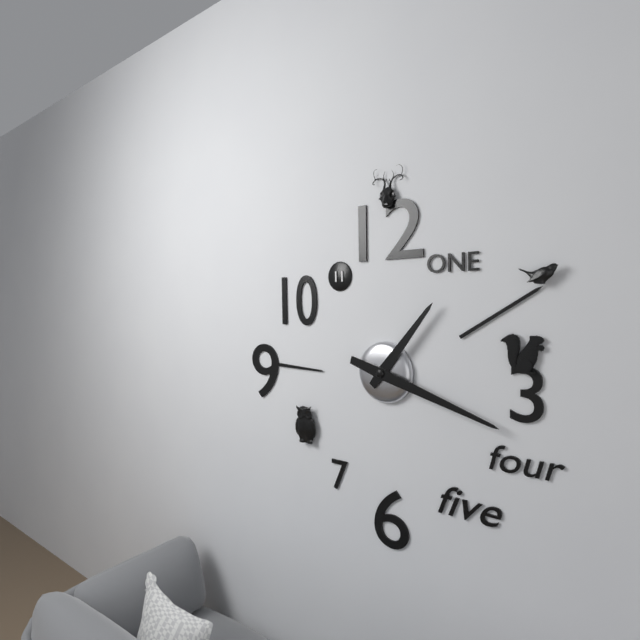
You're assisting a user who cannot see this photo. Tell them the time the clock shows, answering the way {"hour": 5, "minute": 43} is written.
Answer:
{"hour": 1, "minute": 18}
